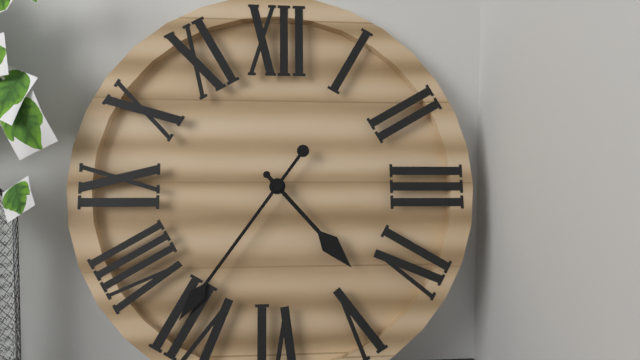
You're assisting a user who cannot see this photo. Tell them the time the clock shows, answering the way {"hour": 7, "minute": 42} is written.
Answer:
{"hour": 4, "minute": 36}
